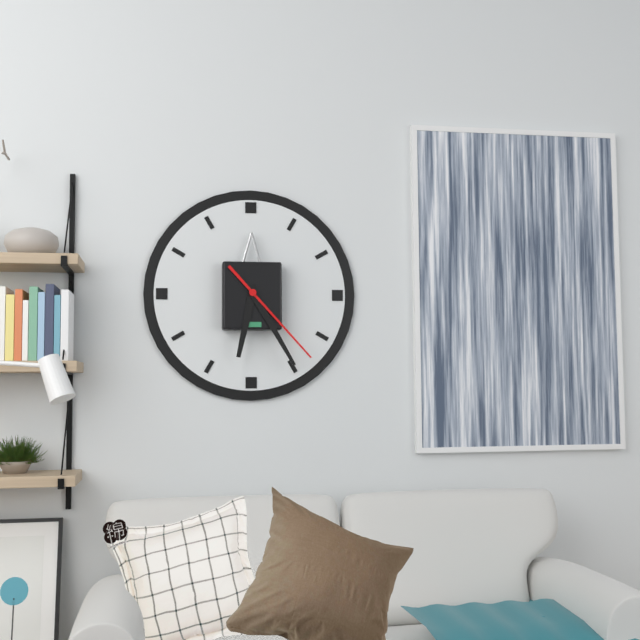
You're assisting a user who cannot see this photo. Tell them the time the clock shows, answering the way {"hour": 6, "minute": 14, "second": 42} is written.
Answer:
{"hour": 6, "minute": 25, "second": 23}
